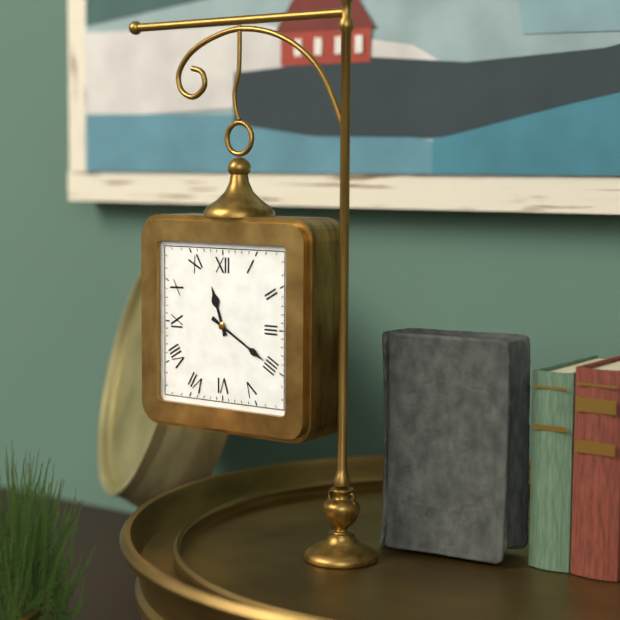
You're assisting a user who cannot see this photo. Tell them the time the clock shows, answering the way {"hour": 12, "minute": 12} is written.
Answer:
{"hour": 11, "minute": 20}
